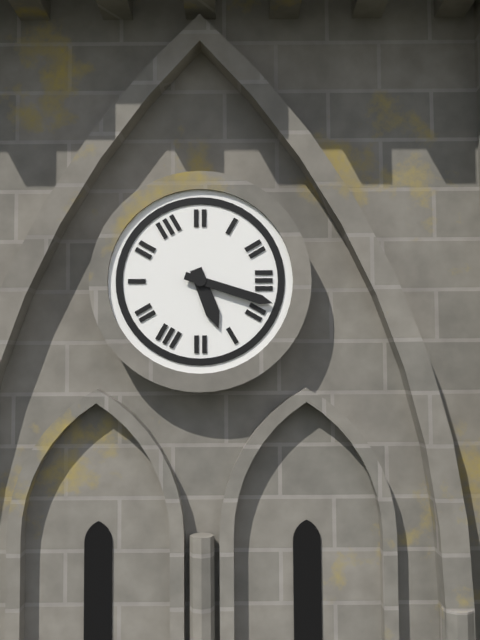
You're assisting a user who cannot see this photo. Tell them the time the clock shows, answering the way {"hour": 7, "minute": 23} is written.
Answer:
{"hour": 5, "minute": 18}
